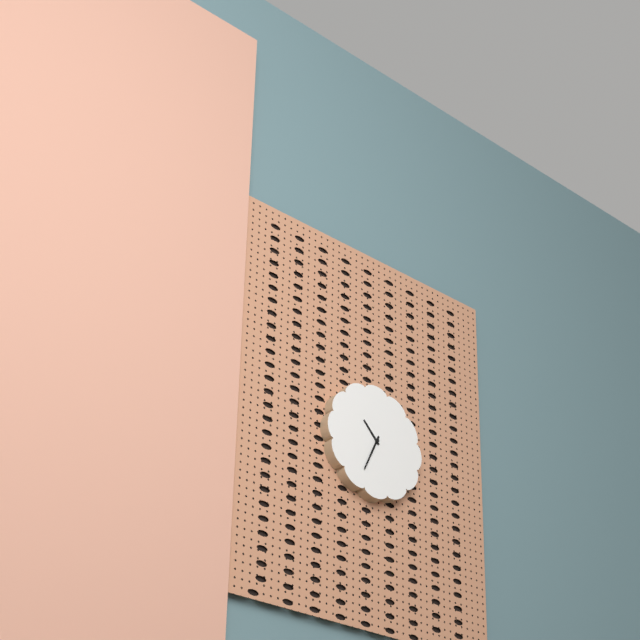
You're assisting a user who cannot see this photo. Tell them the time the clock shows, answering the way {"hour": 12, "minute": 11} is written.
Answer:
{"hour": 10, "minute": 34}
